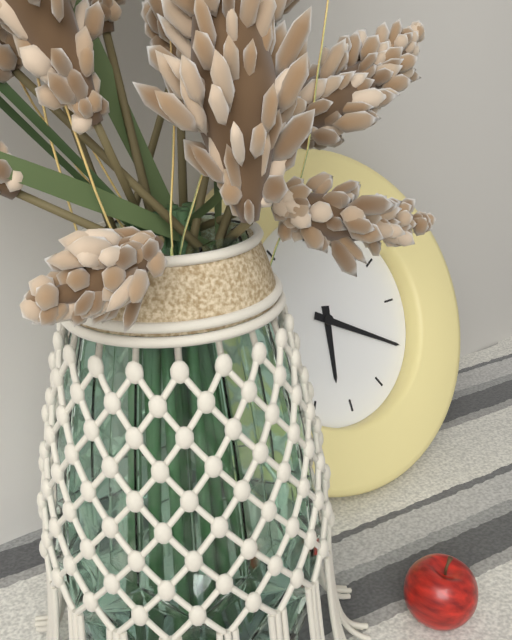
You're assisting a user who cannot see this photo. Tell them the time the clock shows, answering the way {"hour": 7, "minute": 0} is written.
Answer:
{"hour": 6, "minute": 20}
